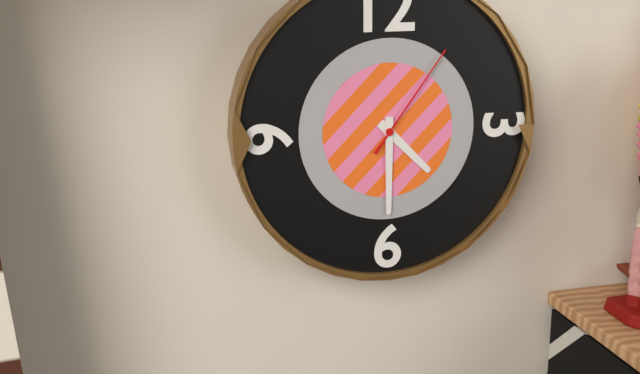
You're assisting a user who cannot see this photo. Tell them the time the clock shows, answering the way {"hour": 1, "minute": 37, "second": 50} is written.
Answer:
{"hour": 4, "minute": 30, "second": 6}
